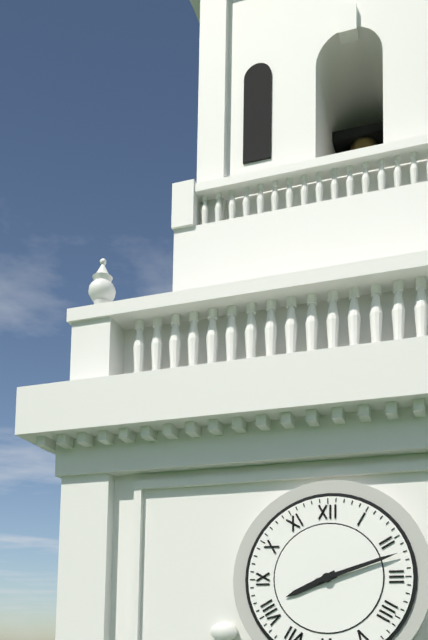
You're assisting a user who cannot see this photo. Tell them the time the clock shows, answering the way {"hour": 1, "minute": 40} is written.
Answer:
{"hour": 8, "minute": 12}
